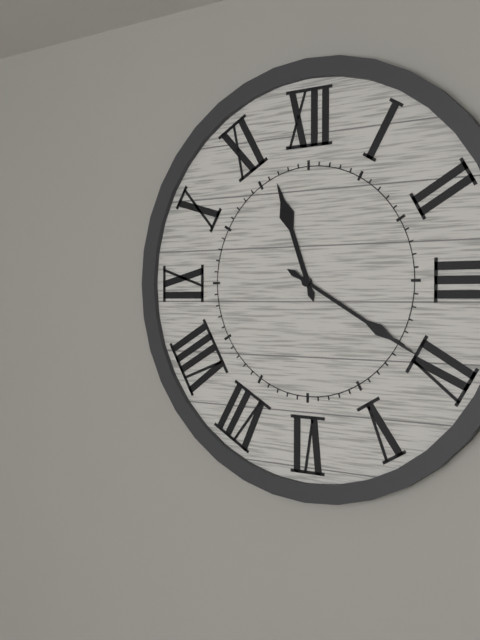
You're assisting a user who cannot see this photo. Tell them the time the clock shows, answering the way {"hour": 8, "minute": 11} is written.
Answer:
{"hour": 11, "minute": 20}
